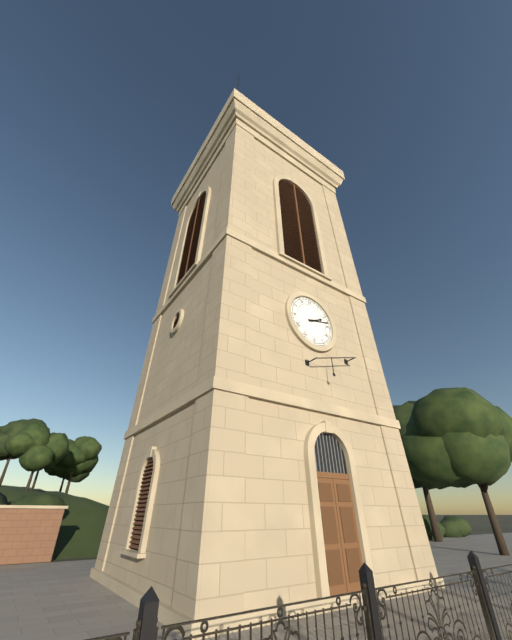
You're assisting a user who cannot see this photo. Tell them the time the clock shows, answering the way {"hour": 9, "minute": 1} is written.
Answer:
{"hour": 2, "minute": 13}
